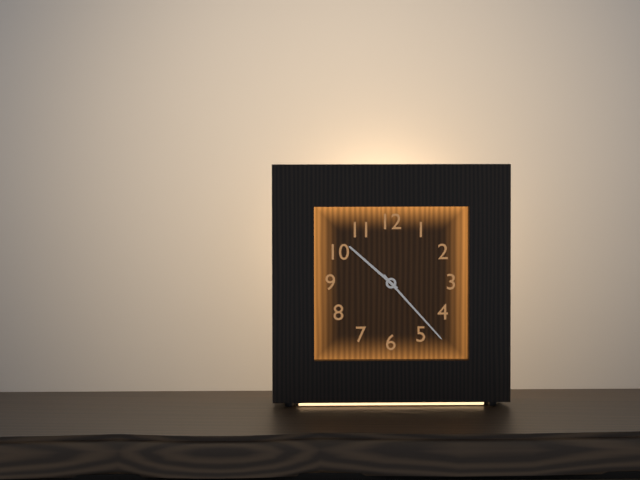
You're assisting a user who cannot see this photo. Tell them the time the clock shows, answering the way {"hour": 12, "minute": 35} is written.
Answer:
{"hour": 10, "minute": 23}
